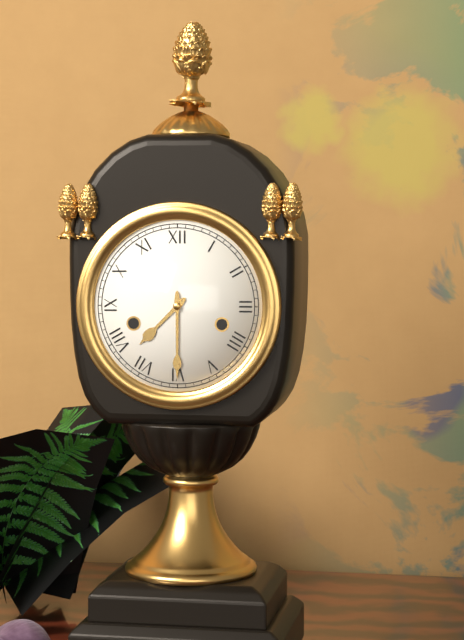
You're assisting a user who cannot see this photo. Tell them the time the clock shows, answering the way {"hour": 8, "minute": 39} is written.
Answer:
{"hour": 7, "minute": 30}
